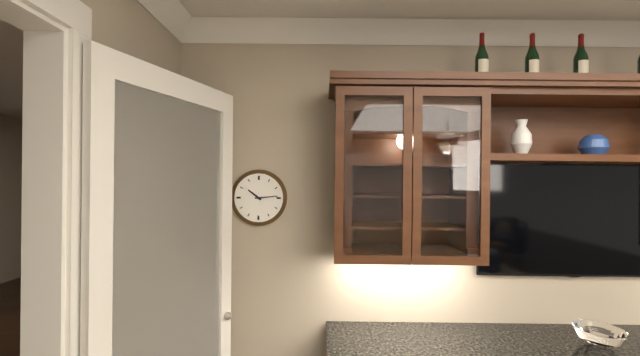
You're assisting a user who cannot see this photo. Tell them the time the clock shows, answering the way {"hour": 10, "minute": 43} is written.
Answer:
{"hour": 10, "minute": 14}
